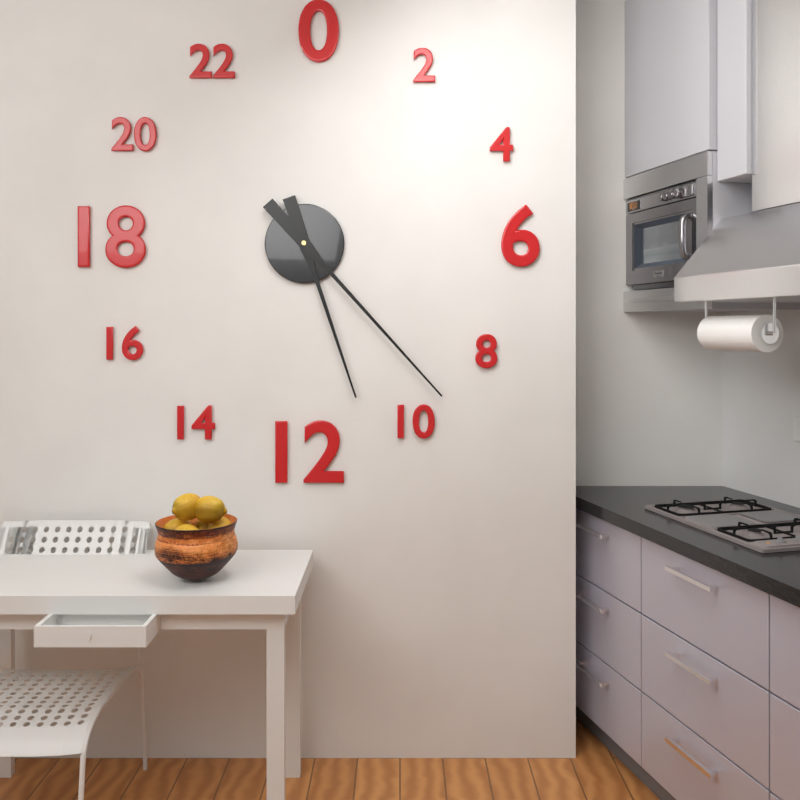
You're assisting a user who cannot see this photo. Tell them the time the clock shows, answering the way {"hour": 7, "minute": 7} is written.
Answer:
{"hour": 5, "minute": 23}
